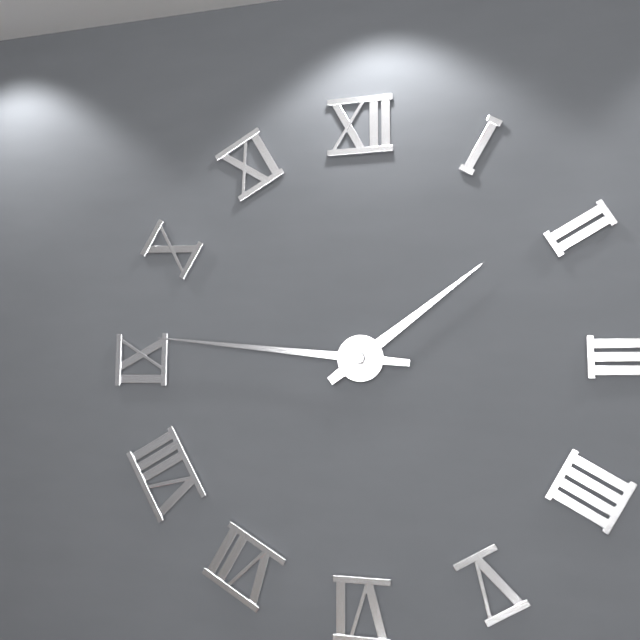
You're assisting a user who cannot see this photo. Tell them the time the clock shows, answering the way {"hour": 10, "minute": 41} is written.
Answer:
{"hour": 1, "minute": 46}
